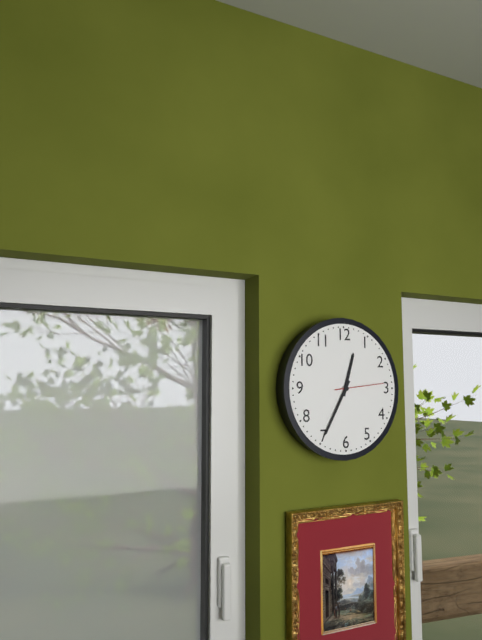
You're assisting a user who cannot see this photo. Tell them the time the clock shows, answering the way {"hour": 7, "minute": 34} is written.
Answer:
{"hour": 12, "minute": 35}
